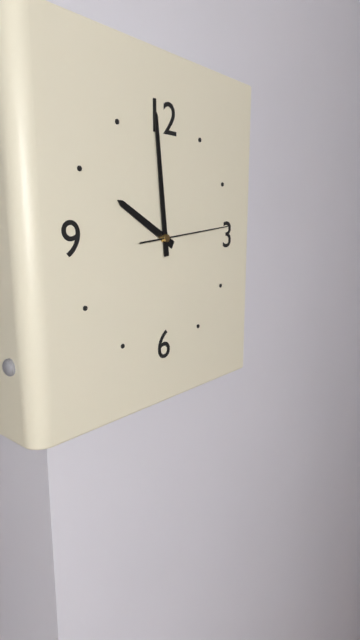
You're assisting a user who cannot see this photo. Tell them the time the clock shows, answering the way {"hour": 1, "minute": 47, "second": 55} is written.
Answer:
{"hour": 9, "minute": 59, "second": 14}
